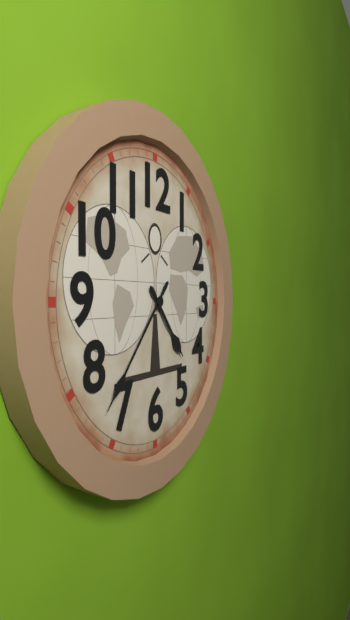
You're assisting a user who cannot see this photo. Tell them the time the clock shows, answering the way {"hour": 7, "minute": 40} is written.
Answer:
{"hour": 4, "minute": 37}
